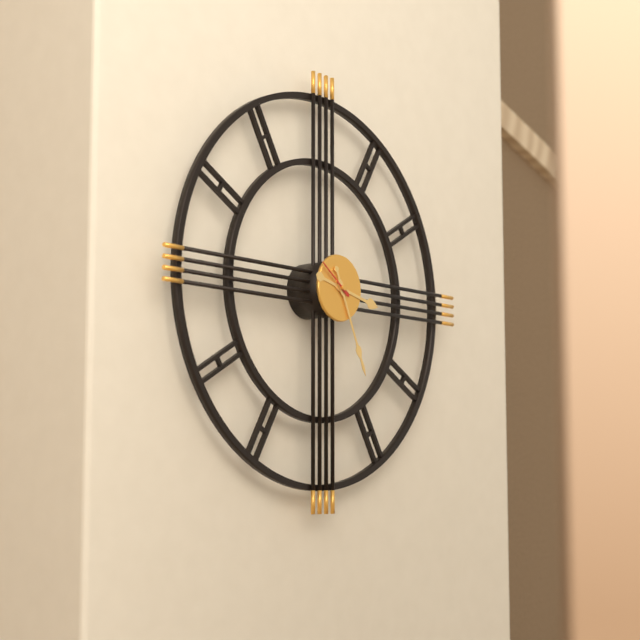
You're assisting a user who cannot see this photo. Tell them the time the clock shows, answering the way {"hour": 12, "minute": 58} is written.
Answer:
{"hour": 3, "minute": 26}
